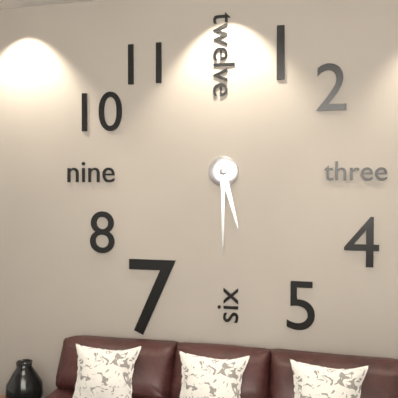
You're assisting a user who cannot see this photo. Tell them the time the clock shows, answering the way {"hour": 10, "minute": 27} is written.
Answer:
{"hour": 5, "minute": 30}
